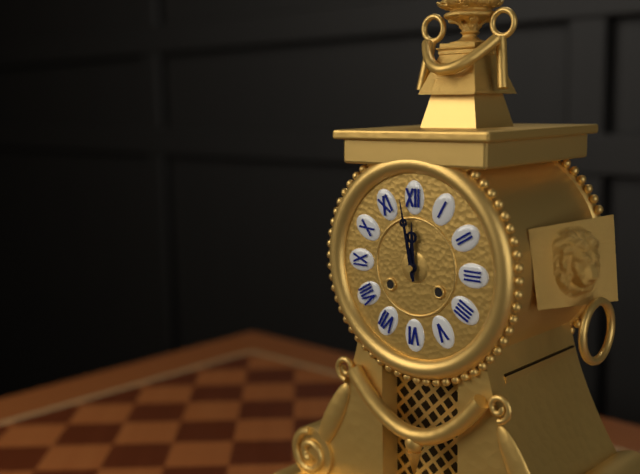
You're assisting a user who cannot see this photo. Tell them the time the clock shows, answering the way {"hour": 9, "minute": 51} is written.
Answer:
{"hour": 11, "minute": 58}
